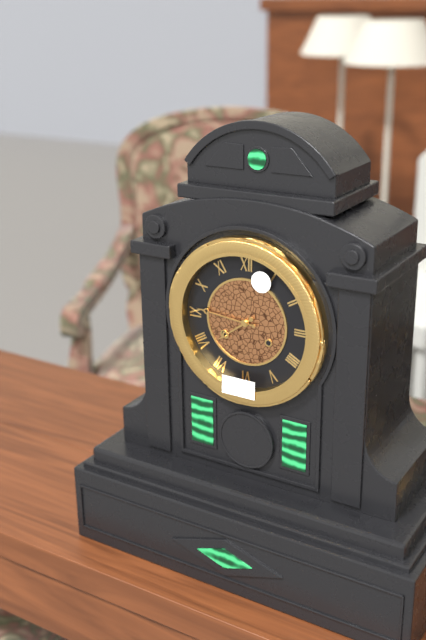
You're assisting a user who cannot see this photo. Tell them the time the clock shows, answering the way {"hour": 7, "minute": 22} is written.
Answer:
{"hour": 7, "minute": 46}
